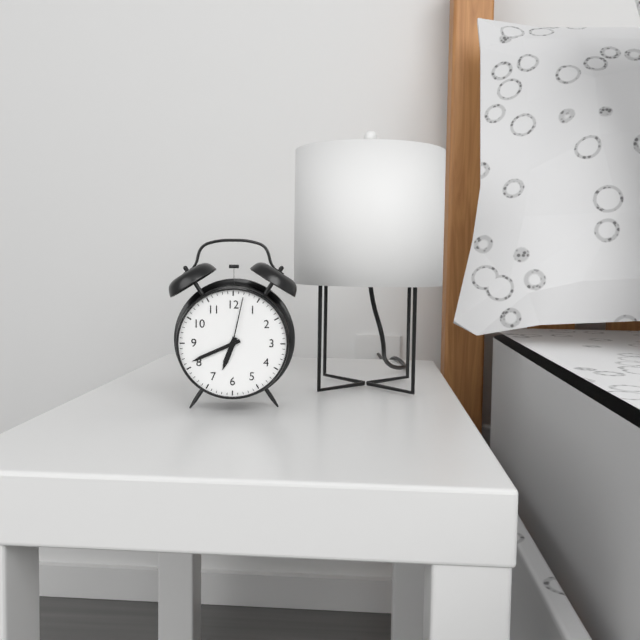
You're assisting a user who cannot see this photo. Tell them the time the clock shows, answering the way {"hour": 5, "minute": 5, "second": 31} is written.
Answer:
{"hour": 6, "minute": 41, "second": 2}
